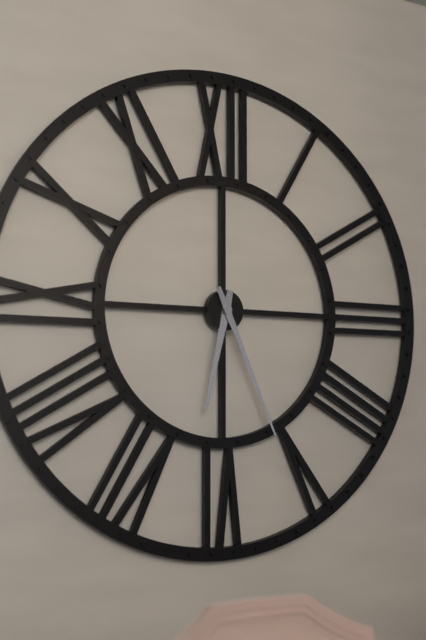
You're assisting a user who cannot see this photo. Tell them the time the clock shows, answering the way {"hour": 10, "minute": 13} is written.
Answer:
{"hour": 6, "minute": 26}
